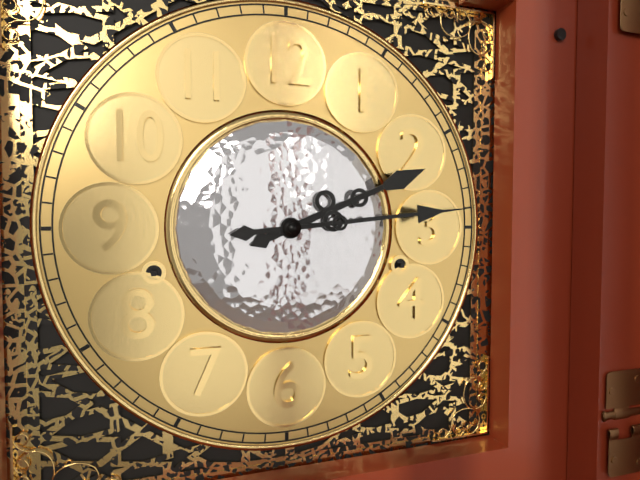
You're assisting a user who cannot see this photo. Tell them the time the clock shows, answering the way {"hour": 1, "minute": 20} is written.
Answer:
{"hour": 2, "minute": 14}
